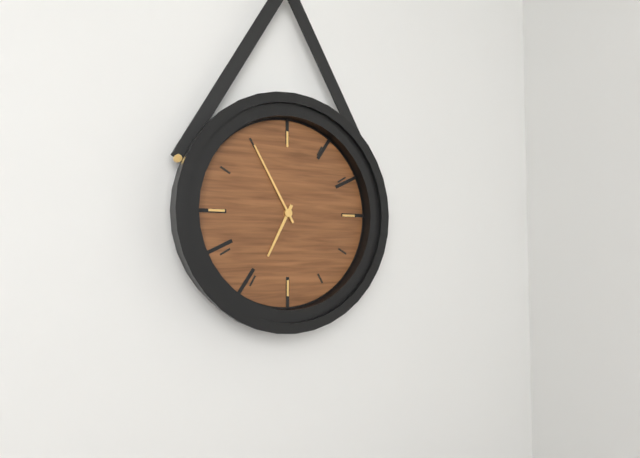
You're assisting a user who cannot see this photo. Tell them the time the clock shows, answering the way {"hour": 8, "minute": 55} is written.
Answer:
{"hour": 6, "minute": 55}
